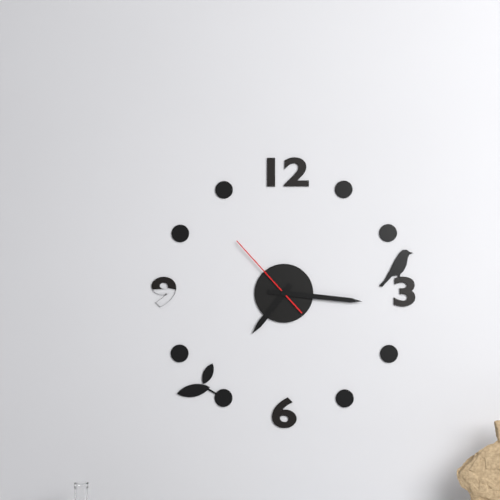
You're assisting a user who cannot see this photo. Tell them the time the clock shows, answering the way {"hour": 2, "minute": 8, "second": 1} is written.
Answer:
{"hour": 7, "minute": 16, "second": 53}
